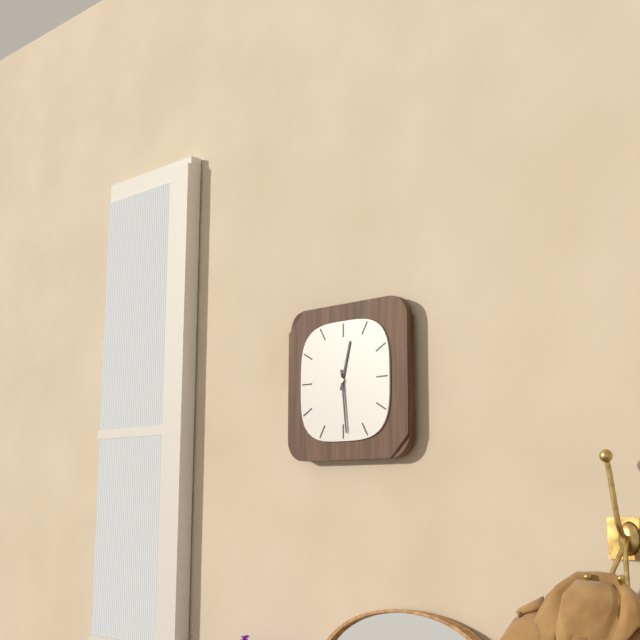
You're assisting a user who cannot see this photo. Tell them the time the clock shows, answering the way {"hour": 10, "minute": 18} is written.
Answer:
{"hour": 12, "minute": 29}
